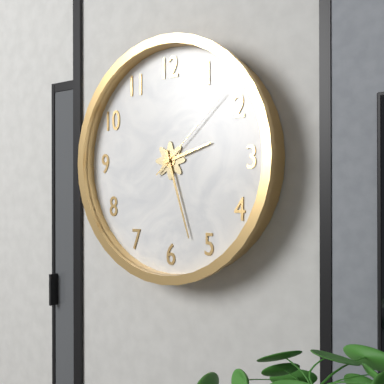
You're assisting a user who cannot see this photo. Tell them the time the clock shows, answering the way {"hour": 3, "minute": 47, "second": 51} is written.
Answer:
{"hour": 2, "minute": 27, "second": 8}
